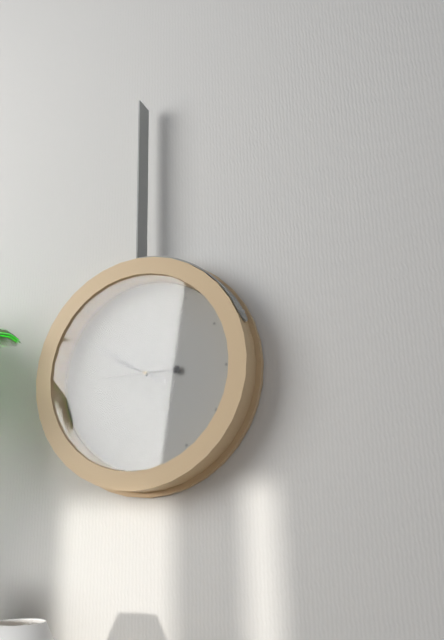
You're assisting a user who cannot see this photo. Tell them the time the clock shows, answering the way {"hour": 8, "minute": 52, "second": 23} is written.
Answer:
{"hour": 9, "minute": 50, "second": 45}
